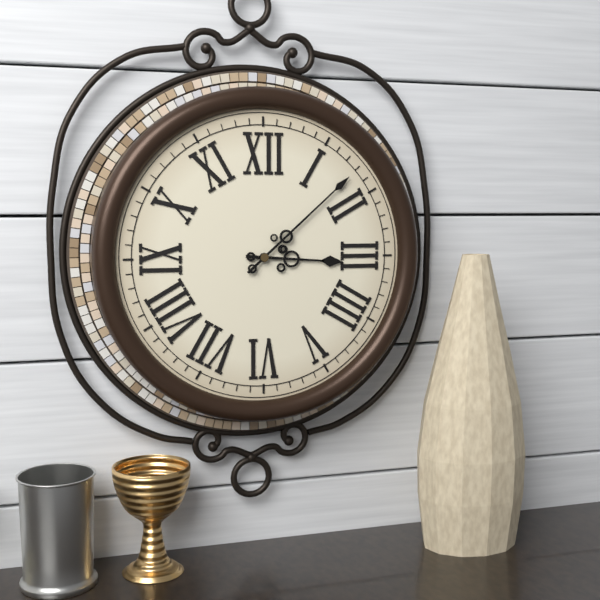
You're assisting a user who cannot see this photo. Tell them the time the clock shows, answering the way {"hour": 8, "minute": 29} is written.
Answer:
{"hour": 3, "minute": 8}
